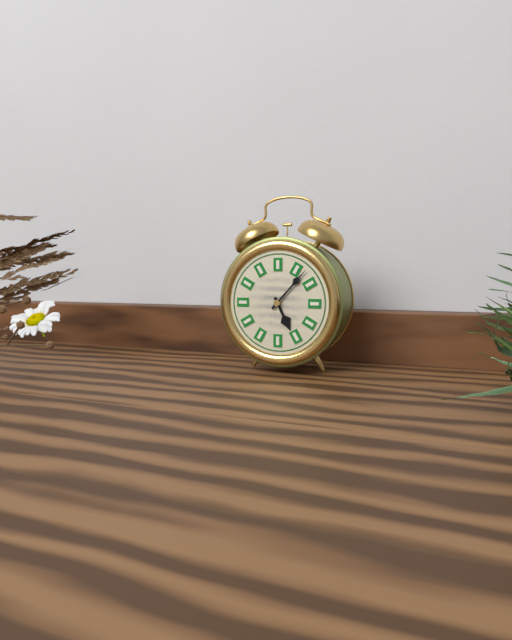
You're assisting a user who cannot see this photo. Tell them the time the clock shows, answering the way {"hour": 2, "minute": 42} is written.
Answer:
{"hour": 5, "minute": 7}
